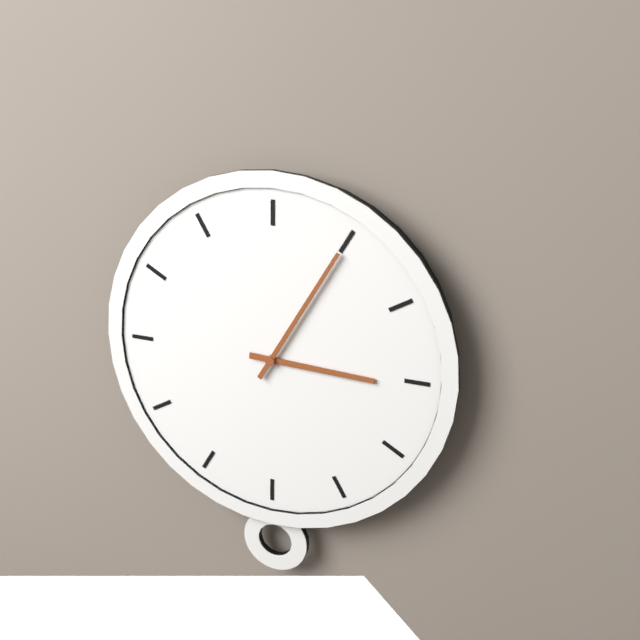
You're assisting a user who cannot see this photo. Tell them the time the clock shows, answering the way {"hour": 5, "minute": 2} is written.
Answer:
{"hour": 3, "minute": 5}
